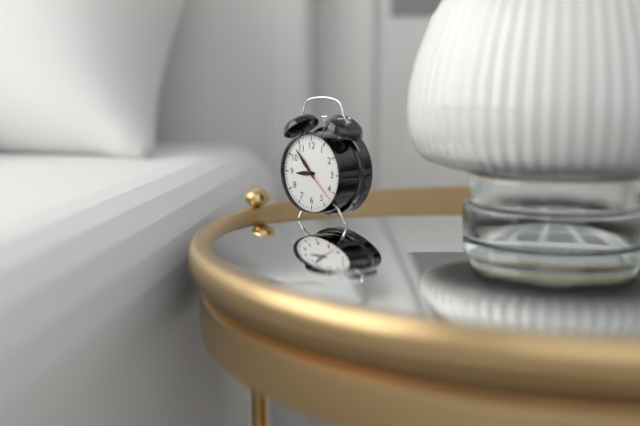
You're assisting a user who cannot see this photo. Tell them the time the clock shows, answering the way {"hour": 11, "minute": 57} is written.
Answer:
{"hour": 8, "minute": 53}
